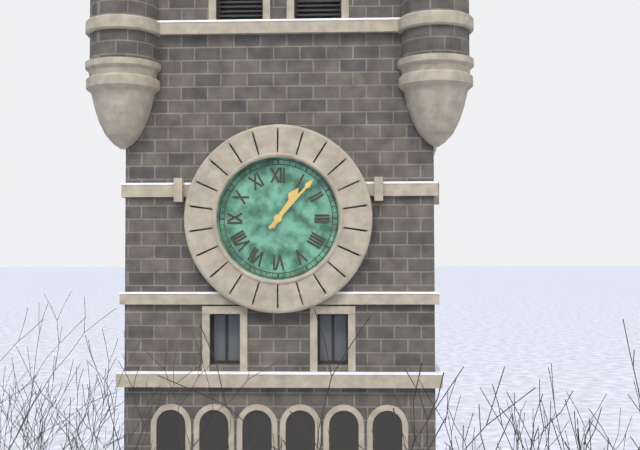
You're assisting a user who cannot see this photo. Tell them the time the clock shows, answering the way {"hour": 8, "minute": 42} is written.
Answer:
{"hour": 1, "minute": 7}
